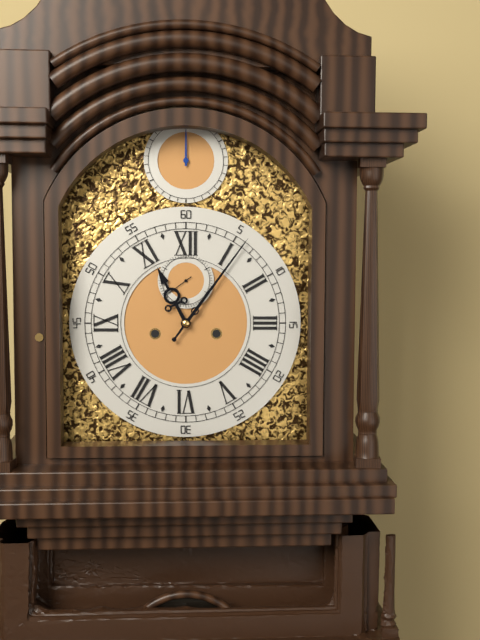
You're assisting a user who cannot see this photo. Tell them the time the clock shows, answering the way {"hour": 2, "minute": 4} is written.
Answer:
{"hour": 11, "minute": 6}
